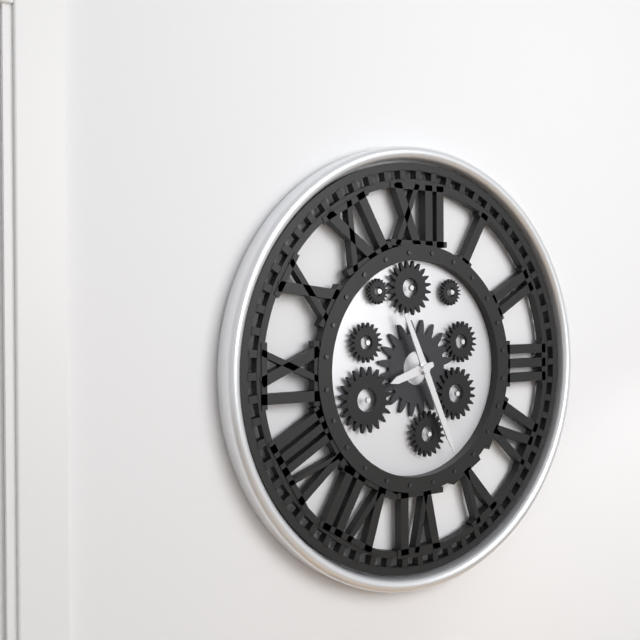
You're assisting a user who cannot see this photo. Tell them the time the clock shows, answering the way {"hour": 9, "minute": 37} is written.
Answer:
{"hour": 8, "minute": 26}
